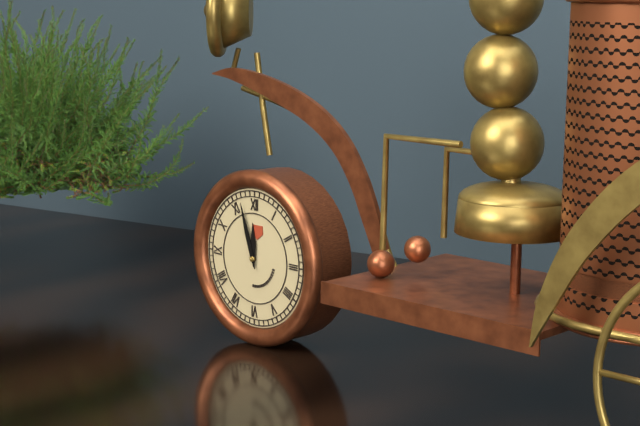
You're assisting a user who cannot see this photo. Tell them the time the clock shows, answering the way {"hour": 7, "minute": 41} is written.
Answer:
{"hour": 11, "minute": 57}
